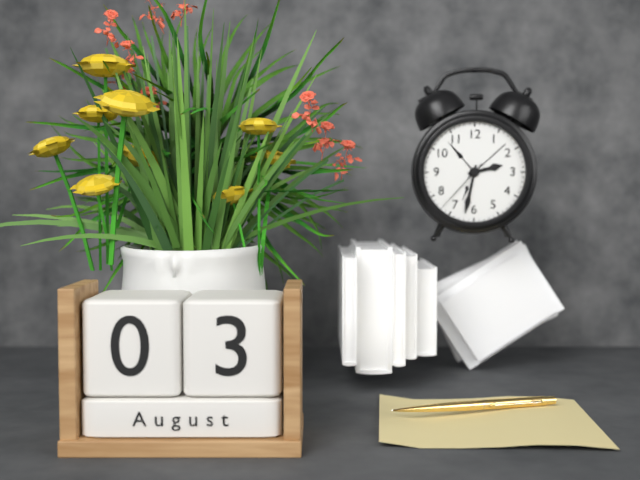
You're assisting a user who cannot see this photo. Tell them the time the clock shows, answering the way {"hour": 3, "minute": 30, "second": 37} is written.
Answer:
{"hour": 2, "minute": 32, "second": 37}
